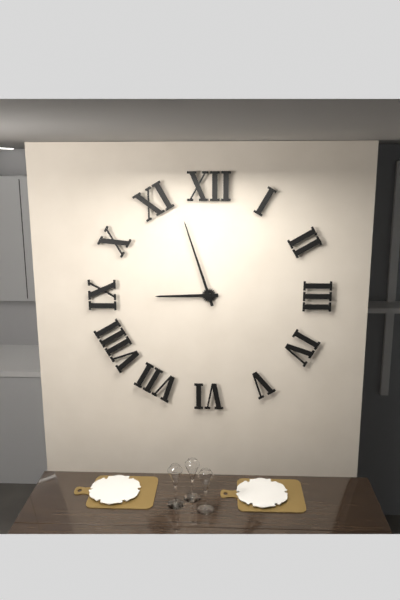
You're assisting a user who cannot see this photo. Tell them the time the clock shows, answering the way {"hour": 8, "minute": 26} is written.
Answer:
{"hour": 8, "minute": 57}
